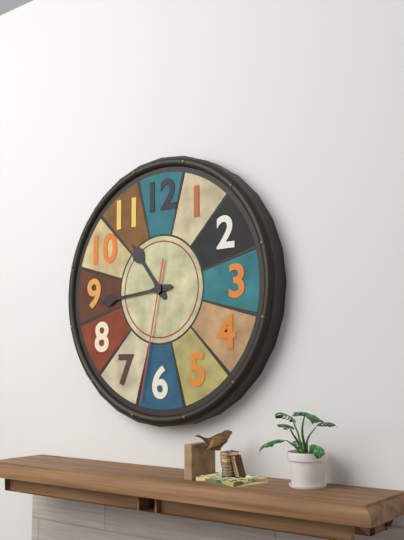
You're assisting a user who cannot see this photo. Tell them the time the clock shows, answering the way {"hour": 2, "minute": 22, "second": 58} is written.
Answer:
{"hour": 10, "minute": 44, "second": 32}
